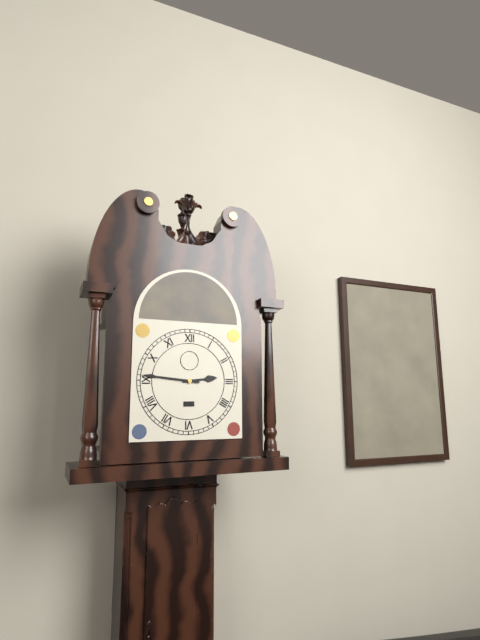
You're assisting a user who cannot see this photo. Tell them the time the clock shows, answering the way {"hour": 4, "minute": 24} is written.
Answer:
{"hour": 2, "minute": 46}
